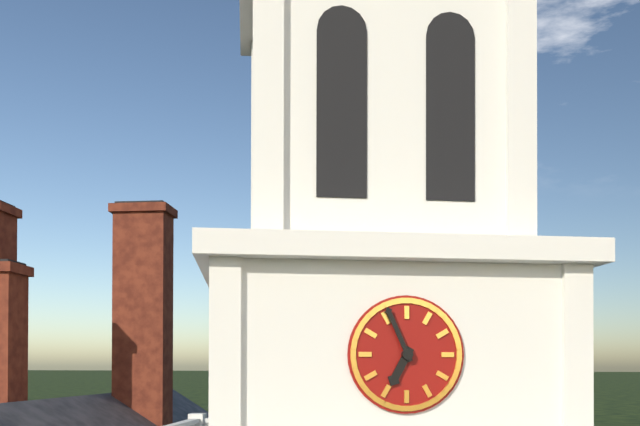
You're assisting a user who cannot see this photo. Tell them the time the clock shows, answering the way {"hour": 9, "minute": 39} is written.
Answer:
{"hour": 6, "minute": 56}
